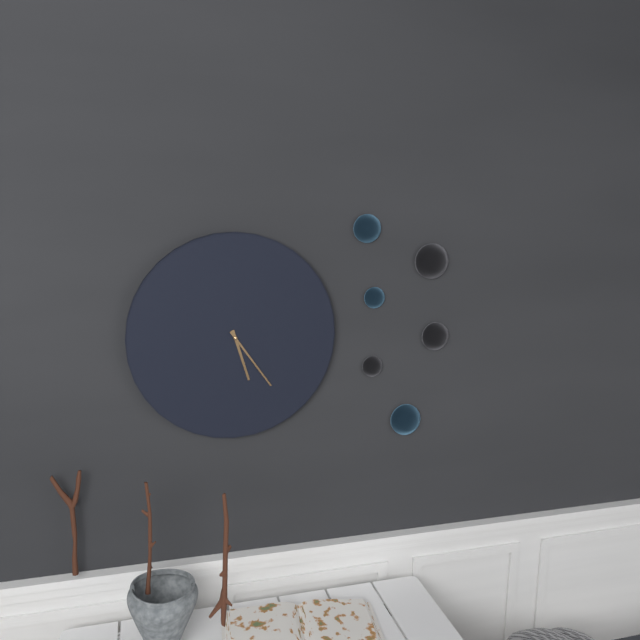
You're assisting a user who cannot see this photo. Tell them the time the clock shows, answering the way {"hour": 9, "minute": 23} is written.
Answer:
{"hour": 5, "minute": 24}
